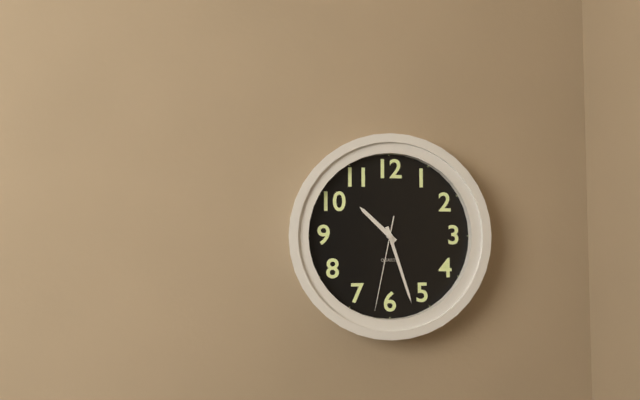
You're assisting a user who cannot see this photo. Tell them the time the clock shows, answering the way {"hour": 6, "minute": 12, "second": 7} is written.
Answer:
{"hour": 10, "minute": 27, "second": 32}
